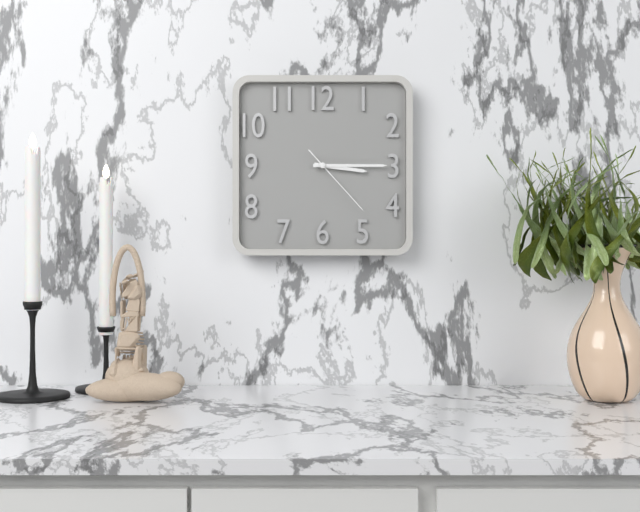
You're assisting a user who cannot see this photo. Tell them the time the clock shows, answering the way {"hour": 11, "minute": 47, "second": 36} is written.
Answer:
{"hour": 3, "minute": 15, "second": 23}
